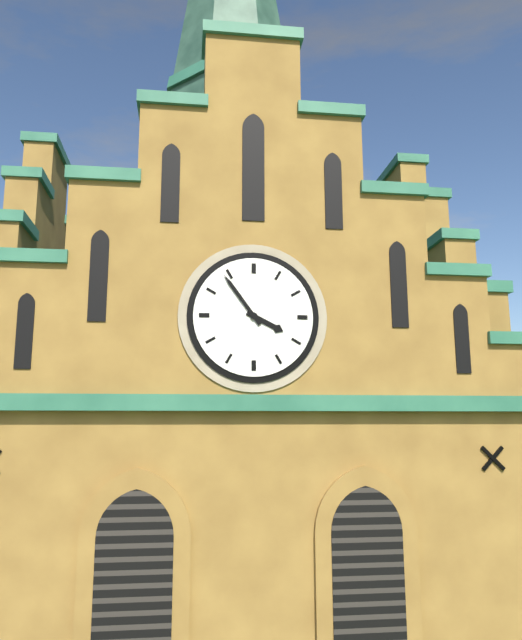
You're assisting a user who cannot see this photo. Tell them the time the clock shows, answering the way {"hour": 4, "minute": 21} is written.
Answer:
{"hour": 3, "minute": 54}
